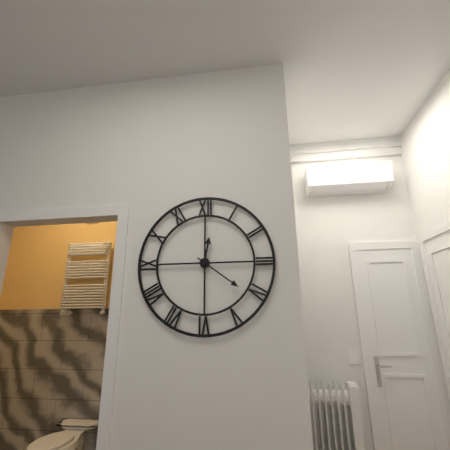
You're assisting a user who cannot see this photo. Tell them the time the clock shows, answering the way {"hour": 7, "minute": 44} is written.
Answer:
{"hour": 12, "minute": 21}
